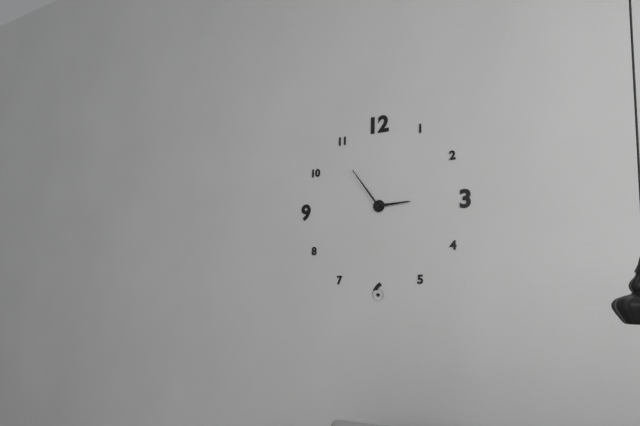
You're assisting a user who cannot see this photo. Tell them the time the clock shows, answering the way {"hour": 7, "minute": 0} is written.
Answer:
{"hour": 2, "minute": 54}
